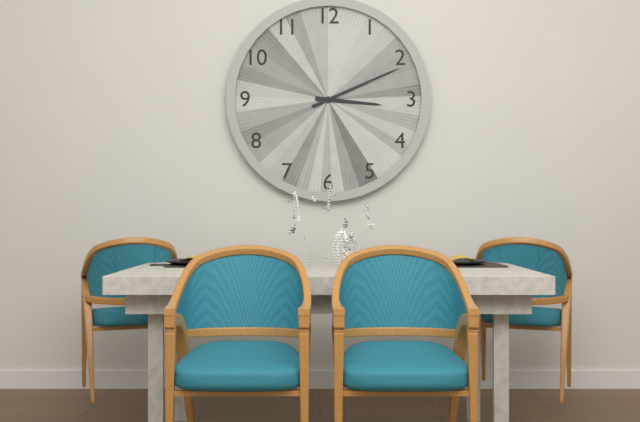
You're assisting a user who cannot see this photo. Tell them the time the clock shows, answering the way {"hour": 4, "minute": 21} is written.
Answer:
{"hour": 3, "minute": 11}
